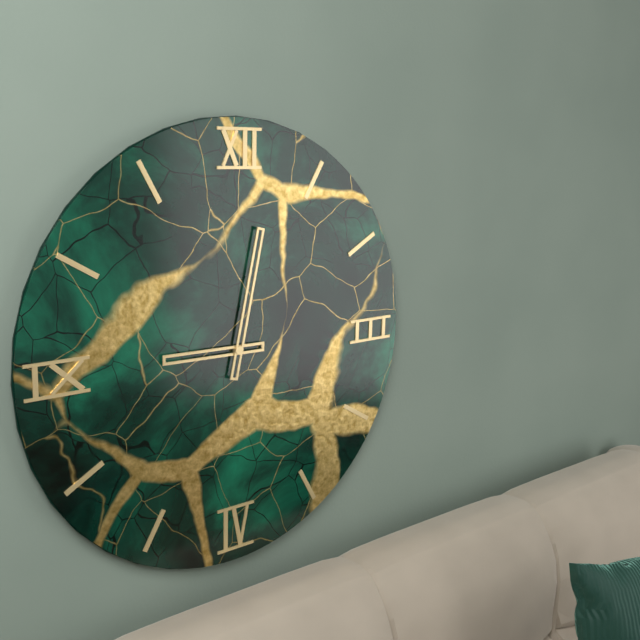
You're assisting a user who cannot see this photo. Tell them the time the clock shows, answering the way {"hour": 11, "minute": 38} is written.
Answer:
{"hour": 9, "minute": 2}
